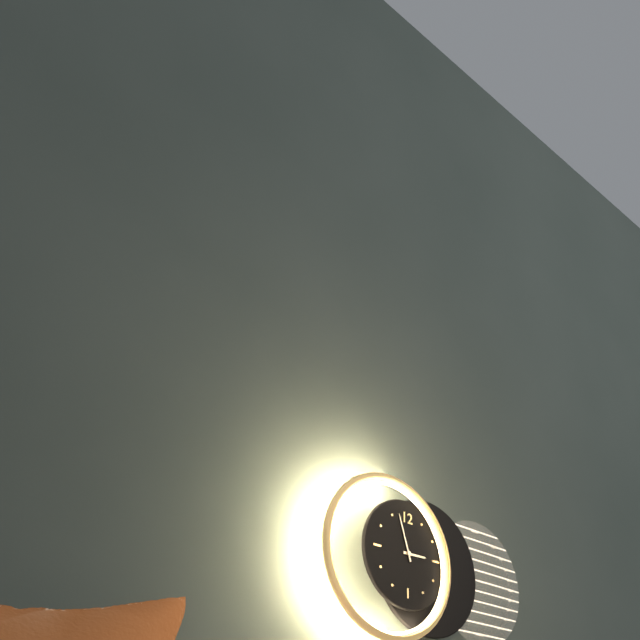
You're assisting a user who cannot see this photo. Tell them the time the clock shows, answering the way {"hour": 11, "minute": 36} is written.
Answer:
{"hour": 2, "minute": 57}
